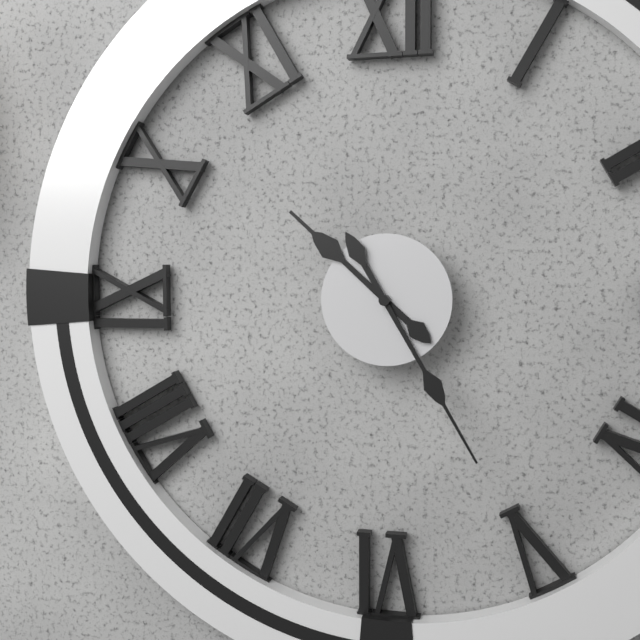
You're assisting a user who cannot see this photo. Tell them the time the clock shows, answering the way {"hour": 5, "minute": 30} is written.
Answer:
{"hour": 10, "minute": 25}
